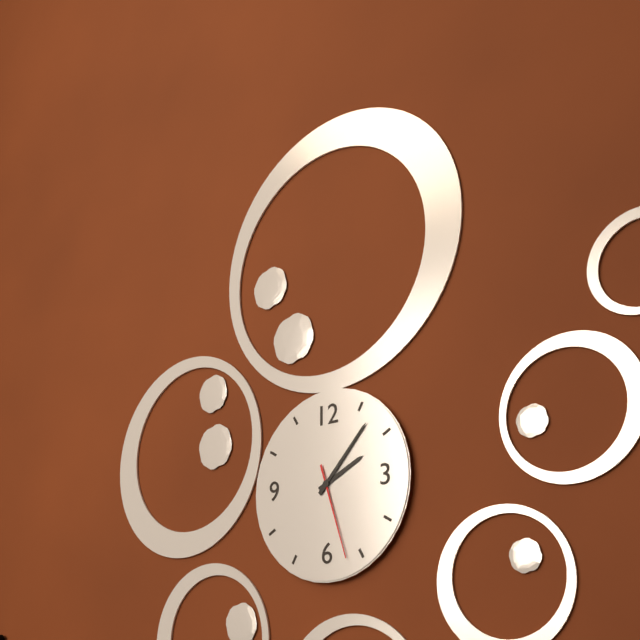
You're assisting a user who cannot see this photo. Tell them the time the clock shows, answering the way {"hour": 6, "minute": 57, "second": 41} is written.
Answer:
{"hour": 2, "minute": 7, "second": 27}
